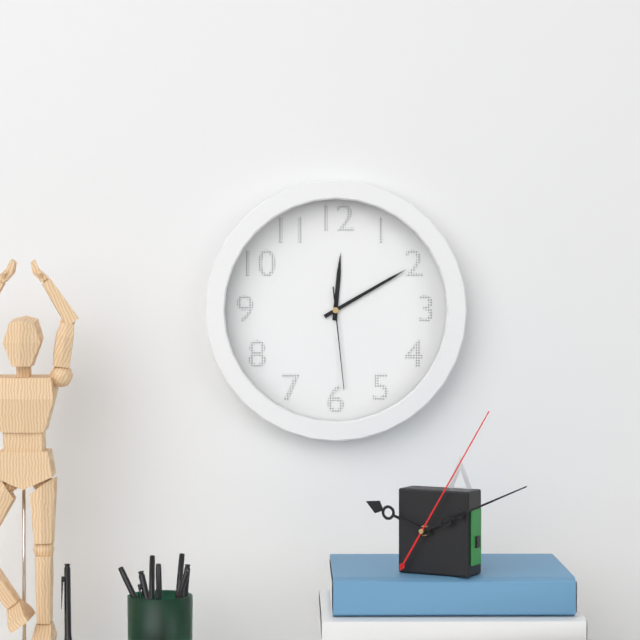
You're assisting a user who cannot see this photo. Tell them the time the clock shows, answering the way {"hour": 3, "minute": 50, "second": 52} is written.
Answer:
{"hour": 12, "minute": 10, "second": 29}
